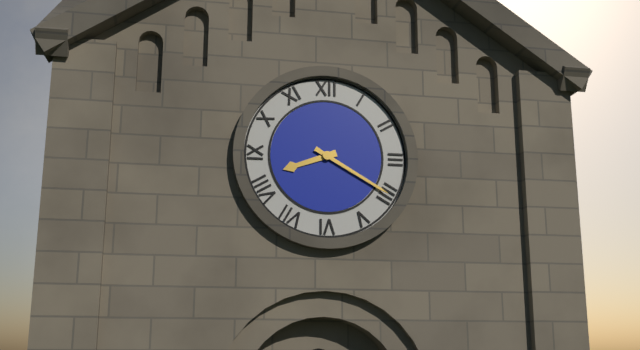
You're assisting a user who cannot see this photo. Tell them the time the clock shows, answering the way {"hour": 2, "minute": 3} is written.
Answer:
{"hour": 8, "minute": 20}
